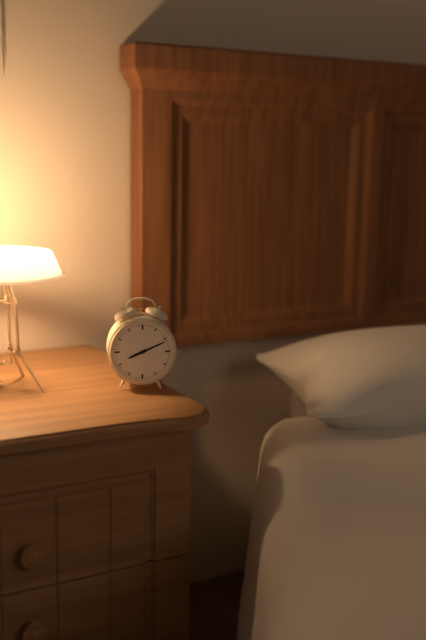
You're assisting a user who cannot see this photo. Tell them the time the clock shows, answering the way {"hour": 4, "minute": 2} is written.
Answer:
{"hour": 8, "minute": 11}
